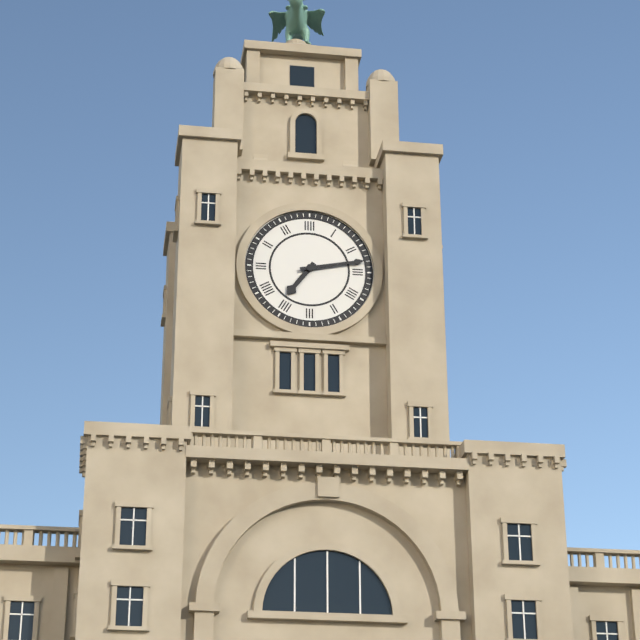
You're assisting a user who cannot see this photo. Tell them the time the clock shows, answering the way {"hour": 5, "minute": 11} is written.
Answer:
{"hour": 7, "minute": 13}
